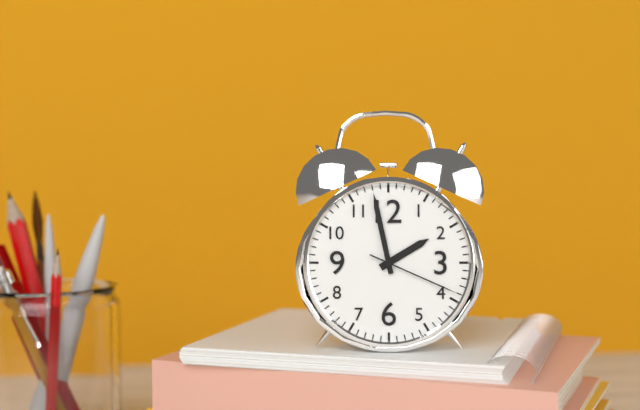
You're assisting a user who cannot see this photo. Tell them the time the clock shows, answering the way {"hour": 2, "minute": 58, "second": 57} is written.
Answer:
{"hour": 1, "minute": 58, "second": 19}
